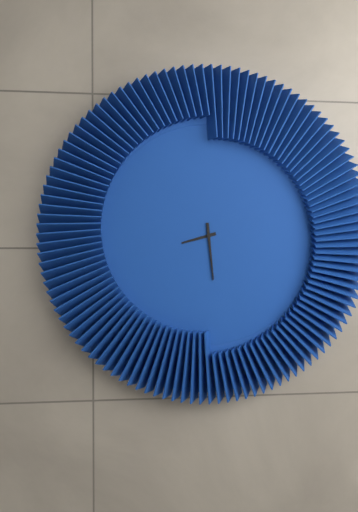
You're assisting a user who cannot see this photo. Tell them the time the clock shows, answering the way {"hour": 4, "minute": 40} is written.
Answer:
{"hour": 8, "minute": 29}
